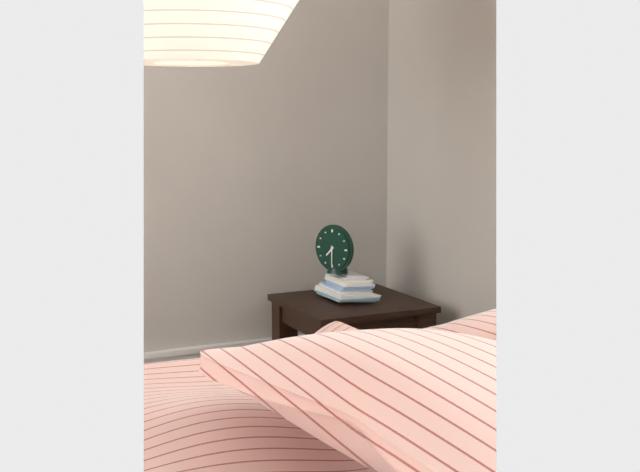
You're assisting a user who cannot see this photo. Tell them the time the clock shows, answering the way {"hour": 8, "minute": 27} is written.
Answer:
{"hour": 7, "minute": 30}
